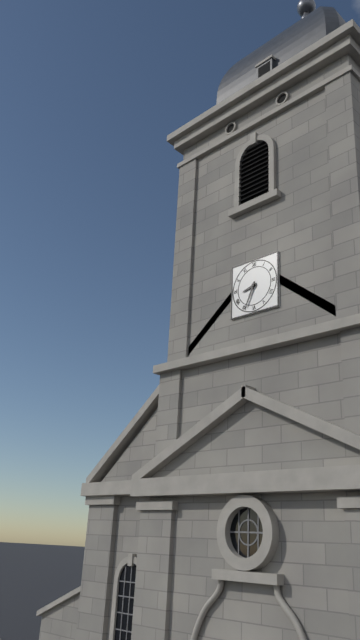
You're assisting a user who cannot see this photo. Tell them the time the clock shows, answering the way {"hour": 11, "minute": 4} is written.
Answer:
{"hour": 8, "minute": 34}
